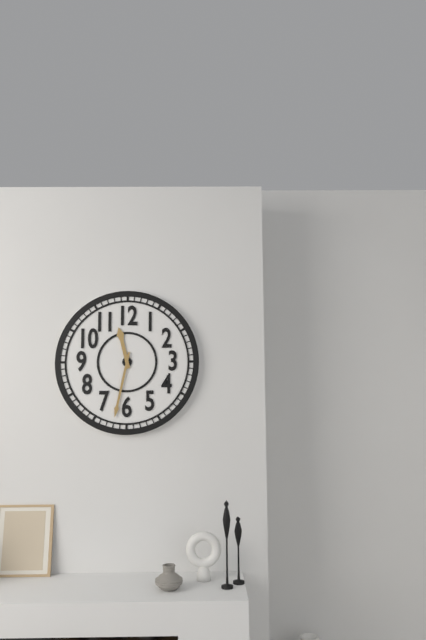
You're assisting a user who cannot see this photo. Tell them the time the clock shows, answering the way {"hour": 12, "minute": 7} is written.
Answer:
{"hour": 11, "minute": 32}
